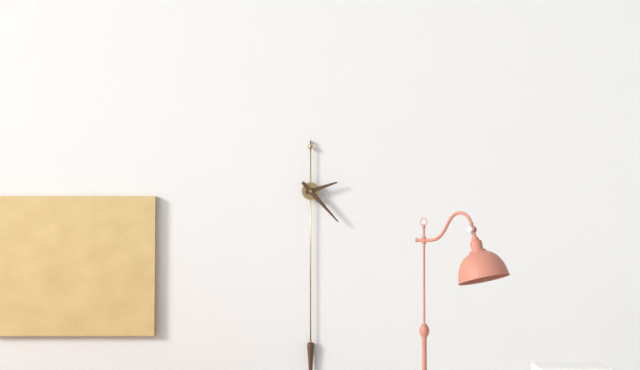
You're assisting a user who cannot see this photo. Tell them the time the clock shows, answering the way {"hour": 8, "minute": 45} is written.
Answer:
{"hour": 2, "minute": 23}
